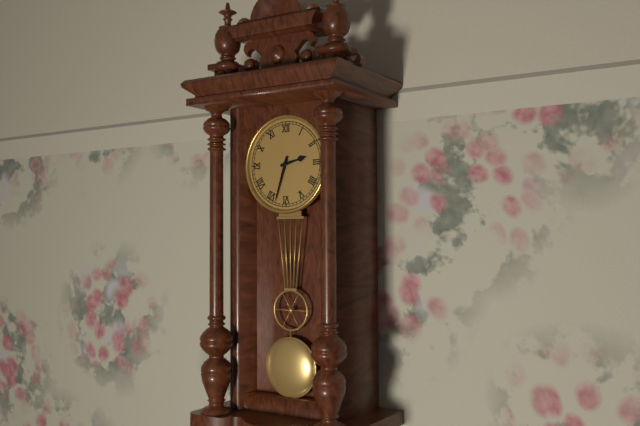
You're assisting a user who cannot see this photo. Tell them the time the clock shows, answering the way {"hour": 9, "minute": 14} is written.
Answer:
{"hour": 2, "minute": 33}
